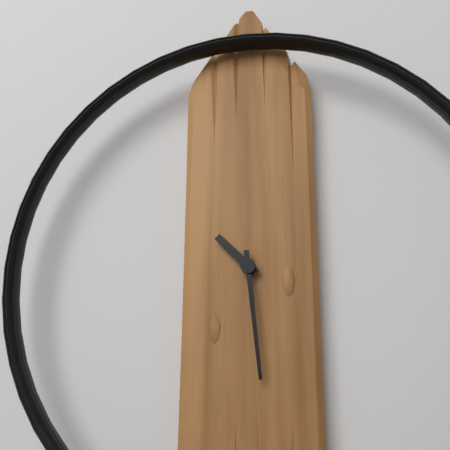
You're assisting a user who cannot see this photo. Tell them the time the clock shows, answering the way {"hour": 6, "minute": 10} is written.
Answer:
{"hour": 10, "minute": 29}
